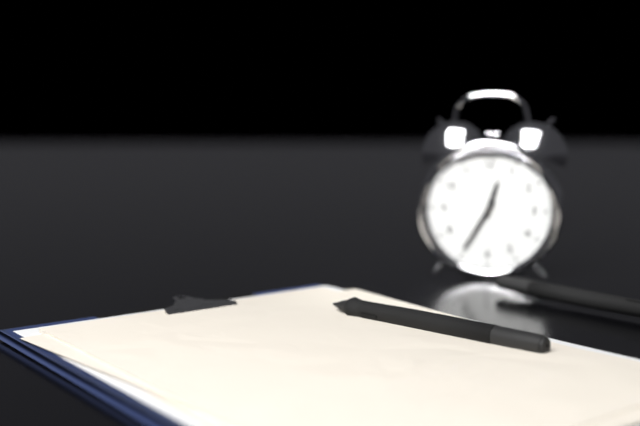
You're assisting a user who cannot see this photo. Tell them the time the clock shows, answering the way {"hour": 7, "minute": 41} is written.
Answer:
{"hour": 12, "minute": 35}
